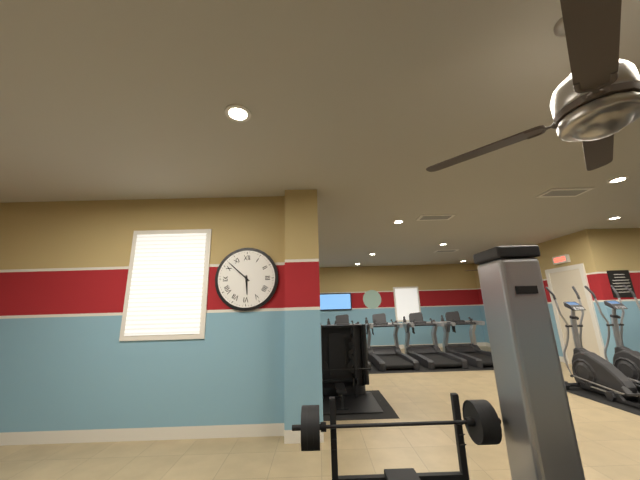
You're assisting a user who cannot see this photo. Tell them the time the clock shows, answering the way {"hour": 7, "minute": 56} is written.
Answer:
{"hour": 5, "minute": 52}
